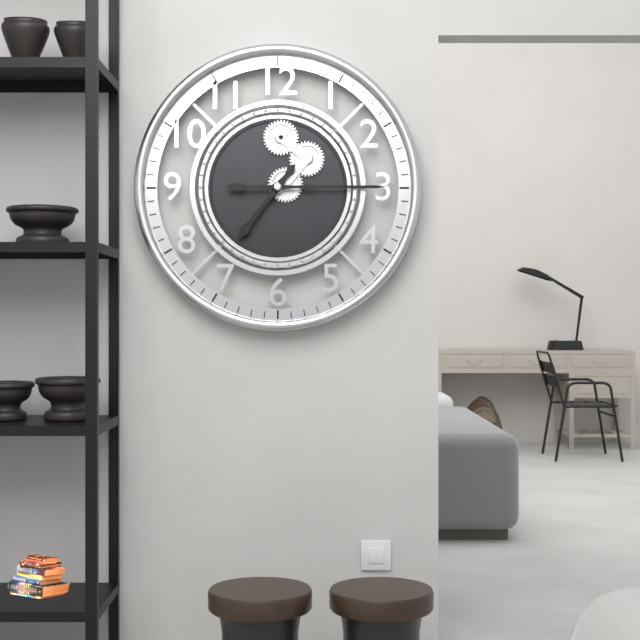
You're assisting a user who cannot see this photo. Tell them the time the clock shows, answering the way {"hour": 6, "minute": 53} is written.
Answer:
{"hour": 7, "minute": 15}
